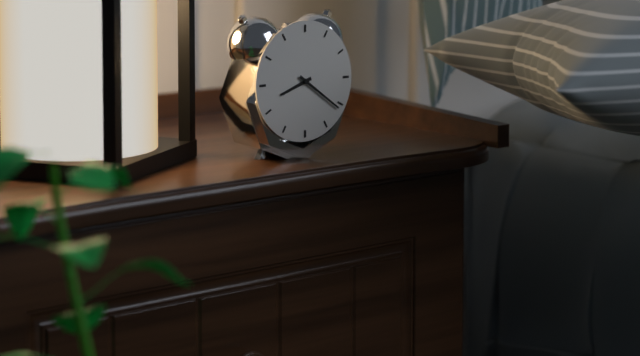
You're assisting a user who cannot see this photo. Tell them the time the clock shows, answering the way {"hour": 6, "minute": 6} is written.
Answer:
{"hour": 8, "minute": 21}
